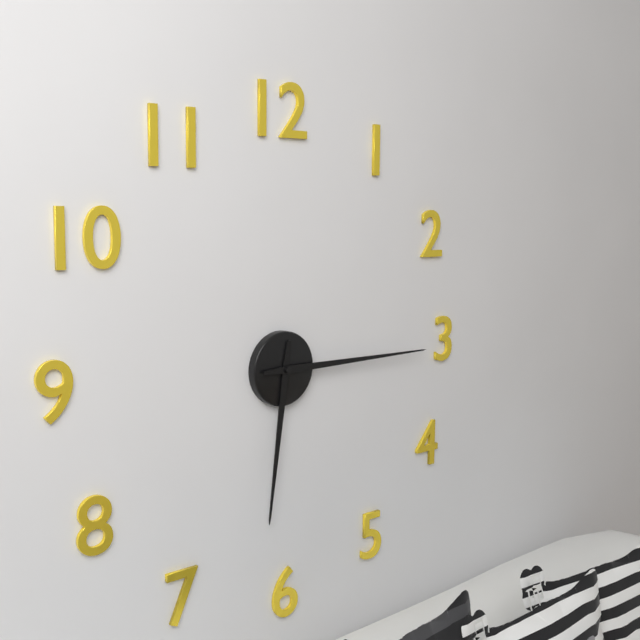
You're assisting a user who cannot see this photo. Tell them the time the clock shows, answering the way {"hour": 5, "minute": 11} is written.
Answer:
{"hour": 6, "minute": 15}
